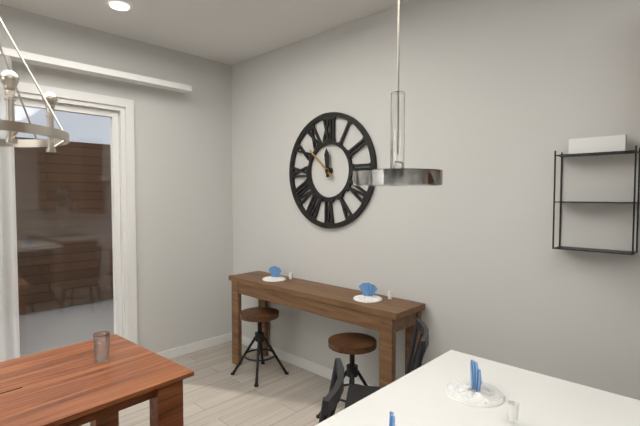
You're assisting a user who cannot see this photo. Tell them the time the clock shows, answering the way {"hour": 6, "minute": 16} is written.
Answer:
{"hour": 11, "minute": 52}
